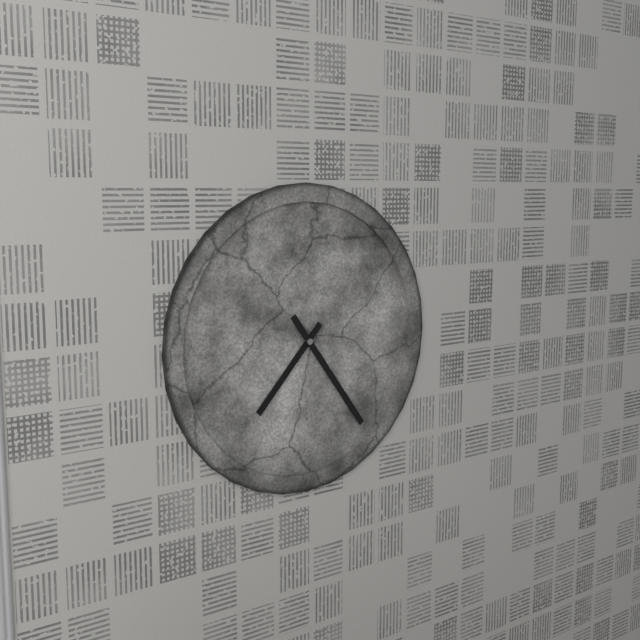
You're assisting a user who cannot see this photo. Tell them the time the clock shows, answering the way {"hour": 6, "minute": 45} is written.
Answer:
{"hour": 7, "minute": 24}
